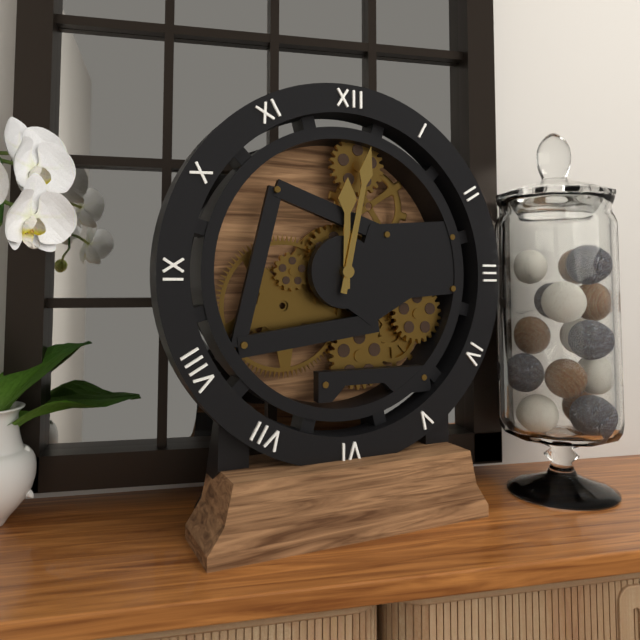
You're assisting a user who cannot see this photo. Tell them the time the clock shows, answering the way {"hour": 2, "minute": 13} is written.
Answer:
{"hour": 12, "minute": 2}
